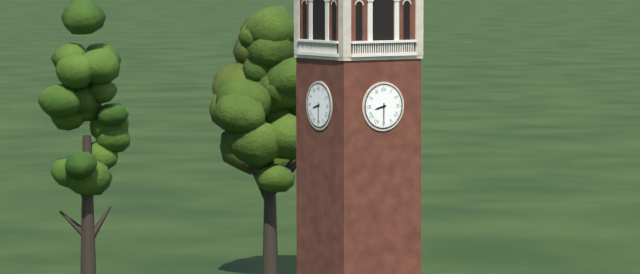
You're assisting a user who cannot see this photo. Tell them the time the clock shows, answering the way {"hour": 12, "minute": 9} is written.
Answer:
{"hour": 8, "minute": 30}
